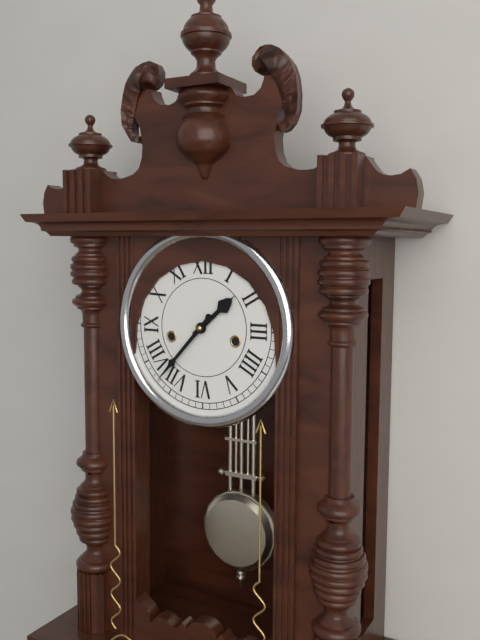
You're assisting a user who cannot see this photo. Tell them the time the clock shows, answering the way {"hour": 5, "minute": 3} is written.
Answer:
{"hour": 1, "minute": 37}
